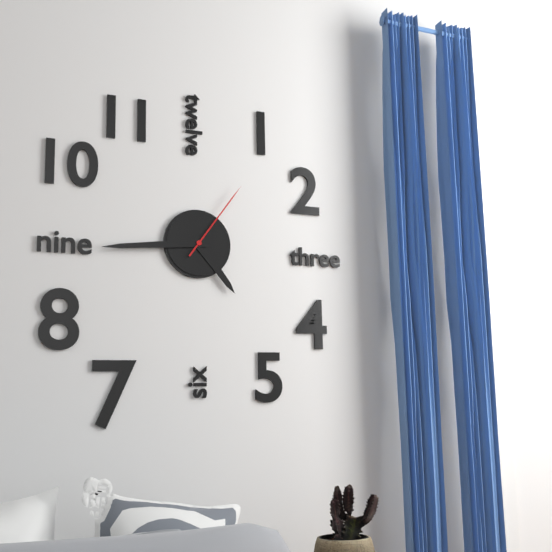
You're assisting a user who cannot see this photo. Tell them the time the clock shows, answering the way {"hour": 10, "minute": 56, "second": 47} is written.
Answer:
{"hour": 4, "minute": 44, "second": 6}
